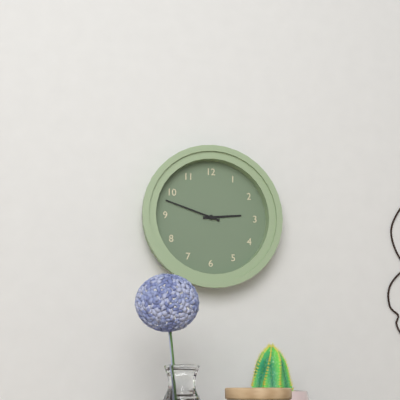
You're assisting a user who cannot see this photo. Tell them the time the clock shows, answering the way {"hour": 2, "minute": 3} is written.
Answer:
{"hour": 2, "minute": 48}
